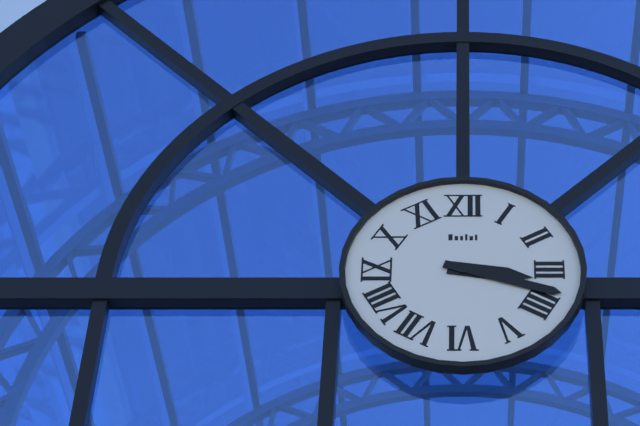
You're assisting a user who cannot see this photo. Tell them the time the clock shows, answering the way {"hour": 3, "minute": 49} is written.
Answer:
{"hour": 3, "minute": 18}
